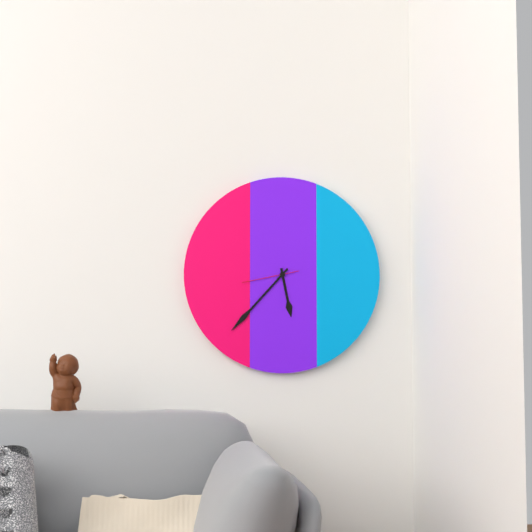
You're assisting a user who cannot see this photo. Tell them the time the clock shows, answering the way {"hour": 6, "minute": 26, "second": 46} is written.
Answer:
{"hour": 5, "minute": 37, "second": 43}
